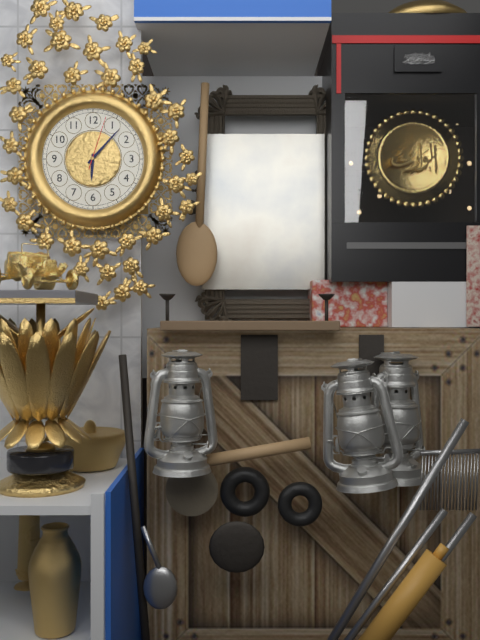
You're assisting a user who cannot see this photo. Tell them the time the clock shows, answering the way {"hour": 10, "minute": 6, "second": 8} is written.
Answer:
{"hour": 6, "minute": 7, "second": 3}
